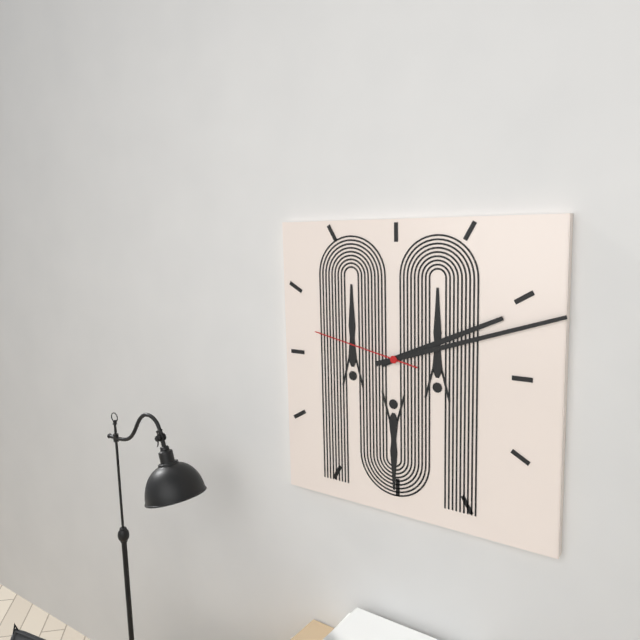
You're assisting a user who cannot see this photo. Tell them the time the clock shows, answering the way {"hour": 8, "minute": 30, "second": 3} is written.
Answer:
{"hour": 2, "minute": 12, "second": 47}
